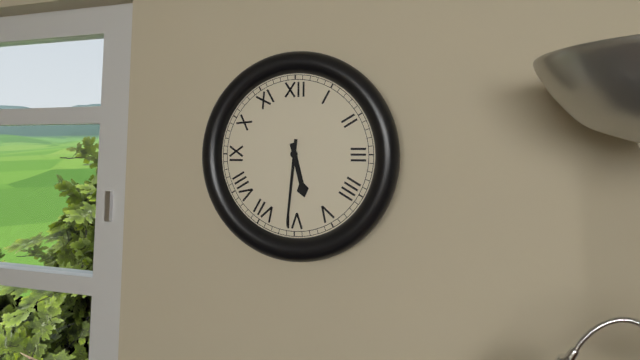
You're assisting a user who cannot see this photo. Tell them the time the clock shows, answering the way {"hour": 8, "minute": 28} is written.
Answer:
{"hour": 5, "minute": 31}
